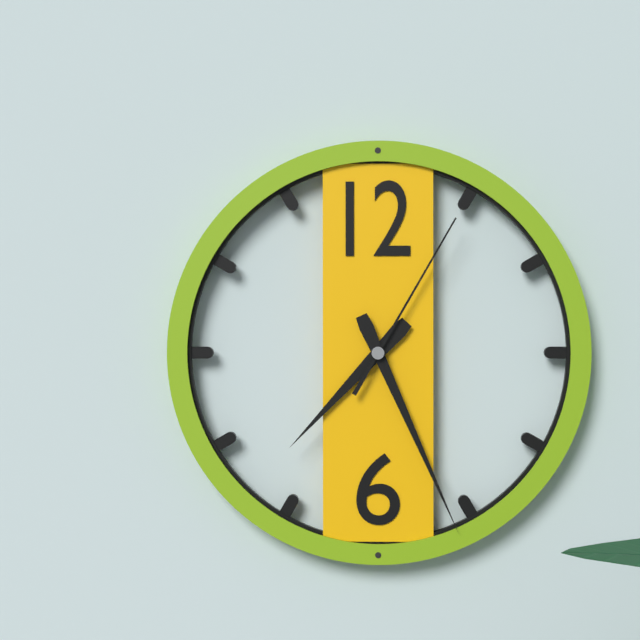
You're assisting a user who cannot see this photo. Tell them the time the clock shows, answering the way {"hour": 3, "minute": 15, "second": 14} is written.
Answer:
{"hour": 7, "minute": 26, "second": 5}
